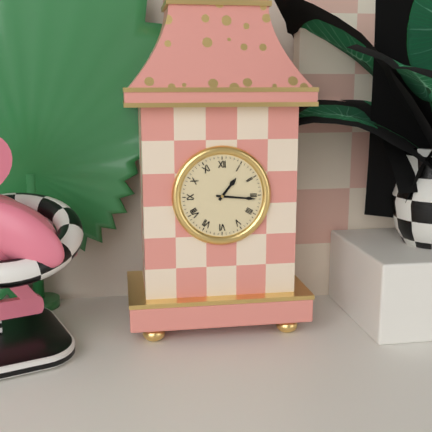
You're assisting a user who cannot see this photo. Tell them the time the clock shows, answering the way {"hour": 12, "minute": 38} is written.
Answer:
{"hour": 1, "minute": 16}
